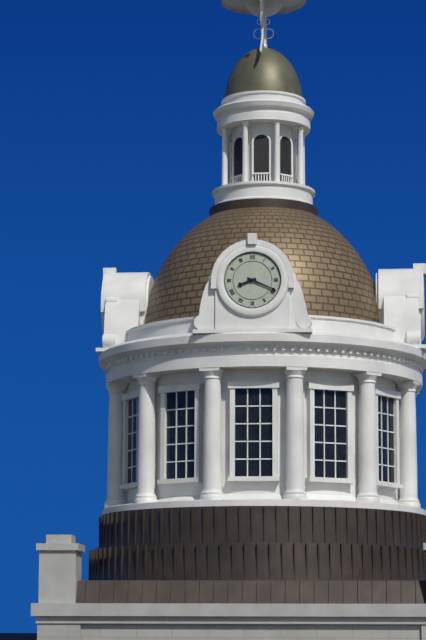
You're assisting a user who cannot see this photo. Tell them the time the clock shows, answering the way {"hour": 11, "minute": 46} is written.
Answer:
{"hour": 8, "minute": 19}
